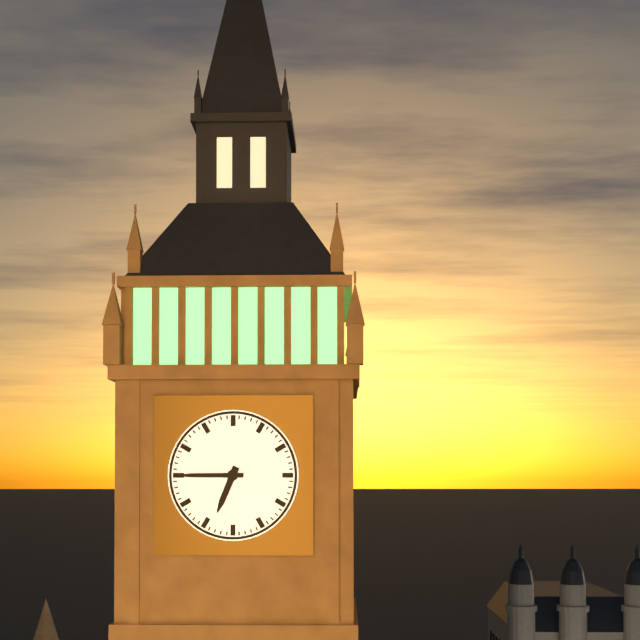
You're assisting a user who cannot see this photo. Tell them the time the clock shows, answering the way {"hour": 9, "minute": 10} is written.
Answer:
{"hour": 6, "minute": 45}
